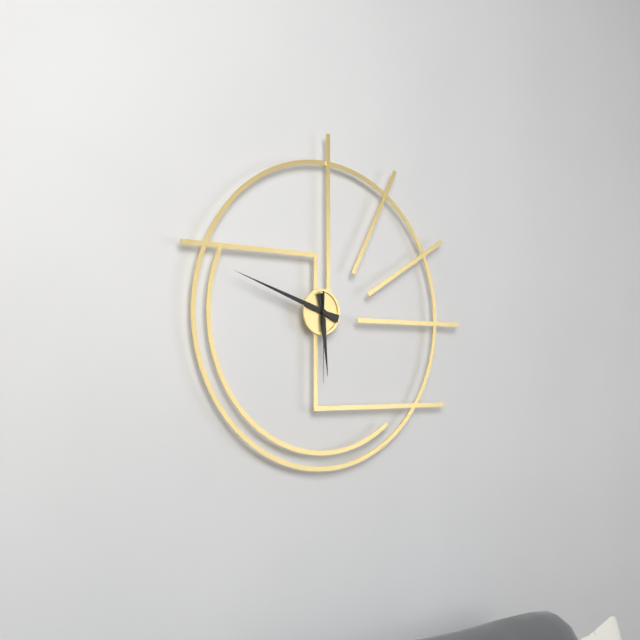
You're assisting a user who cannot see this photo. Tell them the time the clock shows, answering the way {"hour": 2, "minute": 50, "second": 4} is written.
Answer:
{"hour": 5, "minute": 48, "second": 30}
